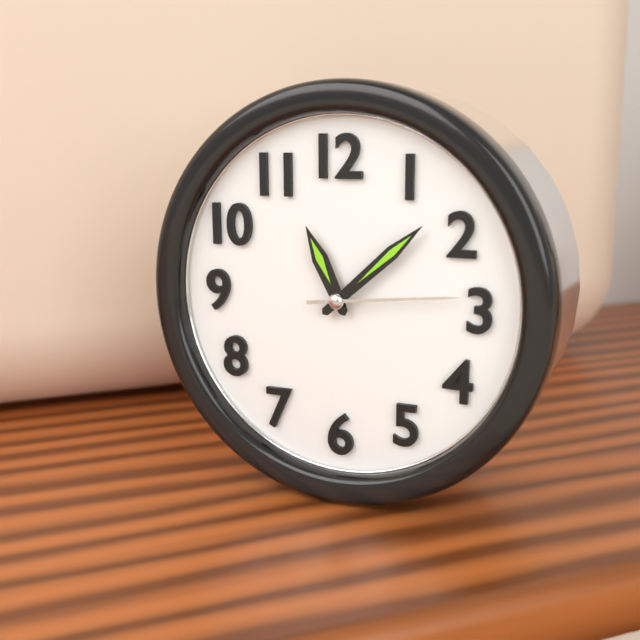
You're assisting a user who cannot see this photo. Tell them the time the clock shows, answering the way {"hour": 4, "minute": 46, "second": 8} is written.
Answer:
{"hour": 11, "minute": 8, "second": 14}
